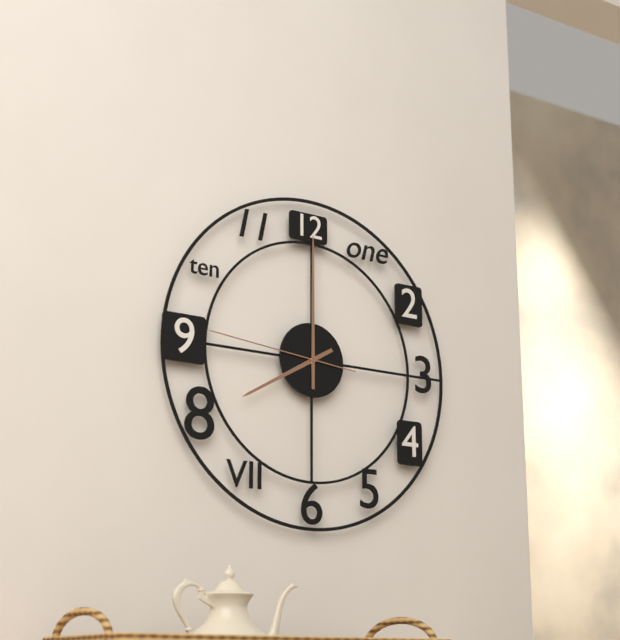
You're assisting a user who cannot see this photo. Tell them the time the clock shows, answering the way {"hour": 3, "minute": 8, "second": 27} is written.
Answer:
{"hour": 8, "minute": 0, "second": 46}
